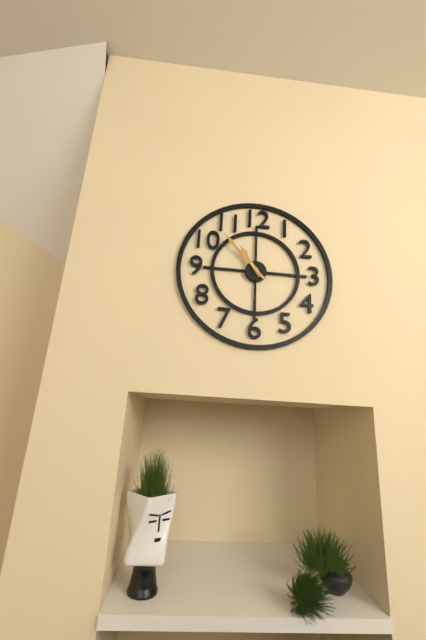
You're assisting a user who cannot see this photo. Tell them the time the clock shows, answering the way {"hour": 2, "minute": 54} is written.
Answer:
{"hour": 10, "minute": 53}
